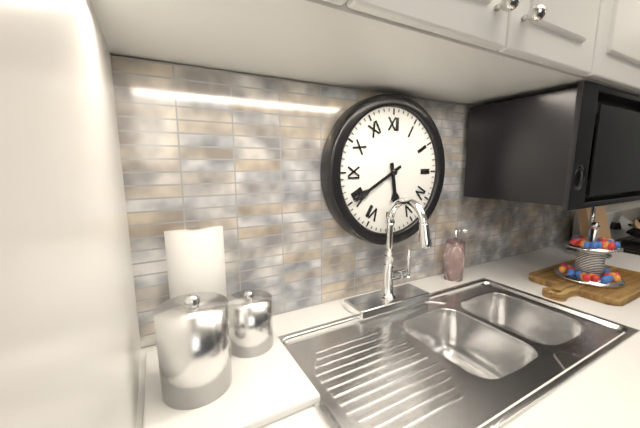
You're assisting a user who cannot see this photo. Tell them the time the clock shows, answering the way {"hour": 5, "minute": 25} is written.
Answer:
{"hour": 5, "minute": 40}
